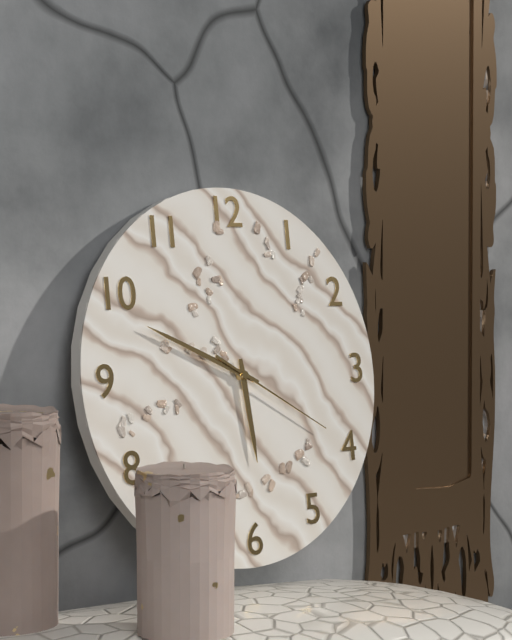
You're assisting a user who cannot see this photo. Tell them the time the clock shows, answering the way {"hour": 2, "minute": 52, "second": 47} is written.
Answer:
{"hour": 5, "minute": 49, "second": 20}
